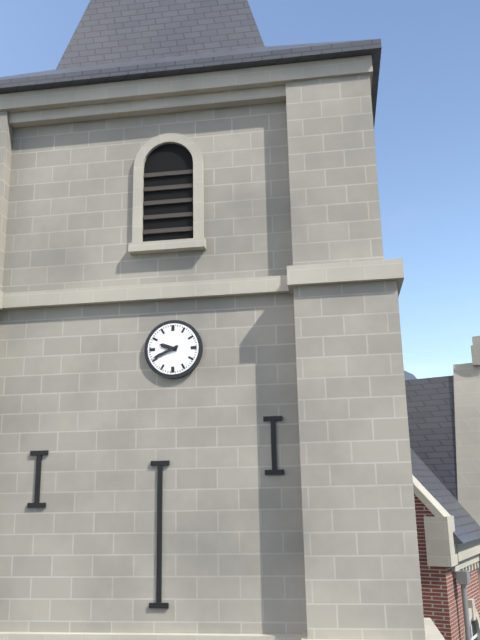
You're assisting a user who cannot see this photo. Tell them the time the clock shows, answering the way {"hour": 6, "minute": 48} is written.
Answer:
{"hour": 9, "minute": 41}
